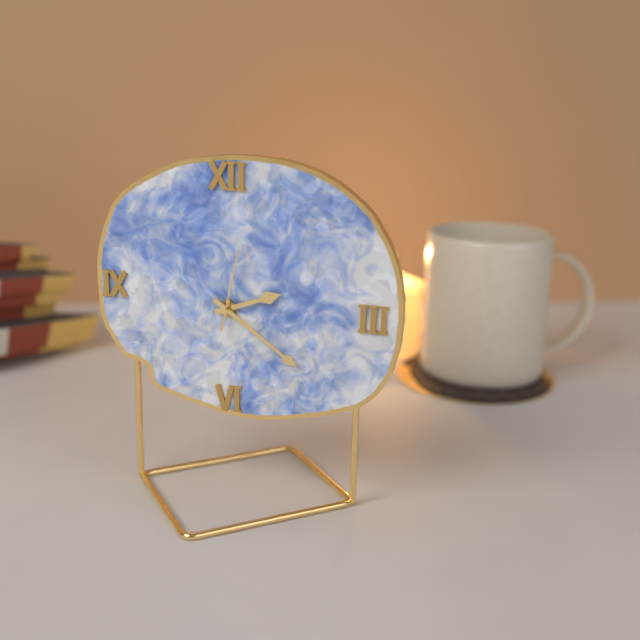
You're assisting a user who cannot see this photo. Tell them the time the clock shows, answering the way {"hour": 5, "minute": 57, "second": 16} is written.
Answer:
{"hour": 2, "minute": 21, "second": 2}
